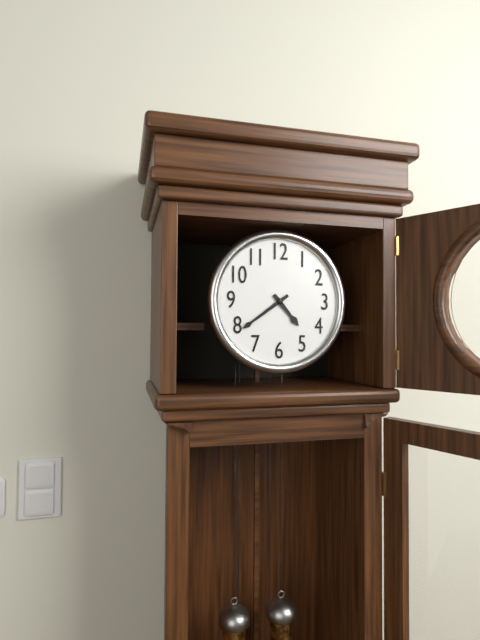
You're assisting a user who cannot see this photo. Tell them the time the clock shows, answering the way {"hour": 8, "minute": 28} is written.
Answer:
{"hour": 4, "minute": 39}
